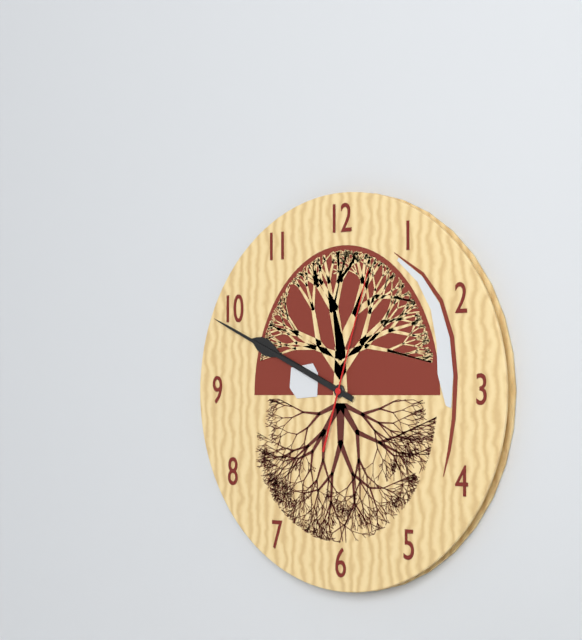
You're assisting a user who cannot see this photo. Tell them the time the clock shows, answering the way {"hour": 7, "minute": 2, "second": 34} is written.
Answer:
{"hour": 9, "minute": 49, "second": 3}
